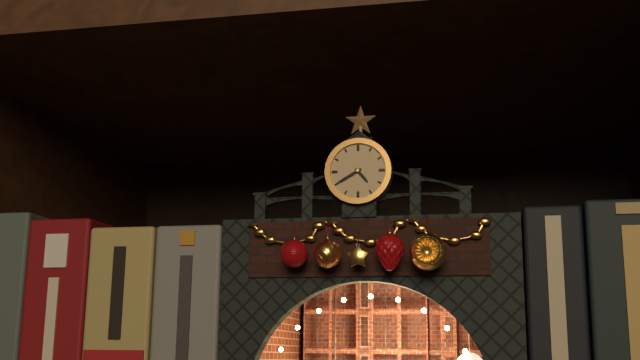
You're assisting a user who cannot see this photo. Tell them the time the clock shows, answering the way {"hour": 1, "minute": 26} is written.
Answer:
{"hour": 4, "minute": 40}
